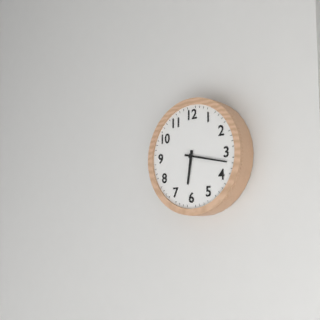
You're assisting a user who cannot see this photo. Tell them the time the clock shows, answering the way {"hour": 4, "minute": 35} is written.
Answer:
{"hour": 6, "minute": 17}
